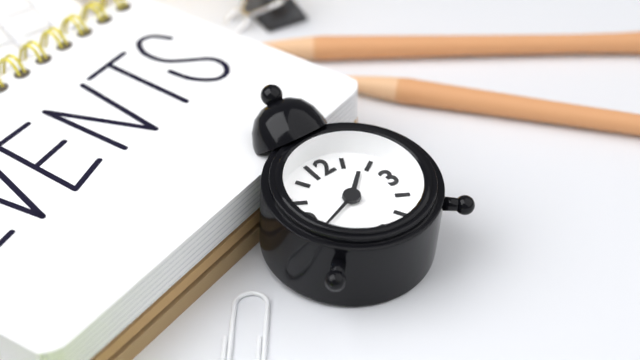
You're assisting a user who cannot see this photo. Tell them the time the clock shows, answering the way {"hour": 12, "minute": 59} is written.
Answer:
{"hour": 1, "minute": 42}
